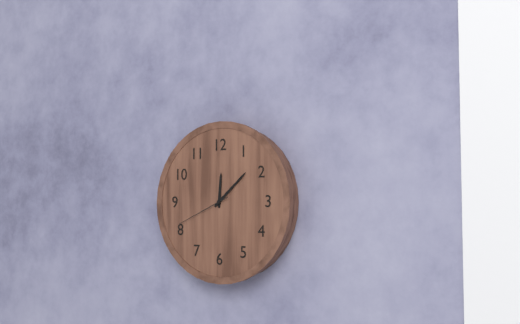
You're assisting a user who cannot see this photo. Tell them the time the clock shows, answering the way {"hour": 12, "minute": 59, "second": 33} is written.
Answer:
{"hour": 12, "minute": 8, "second": 41}
